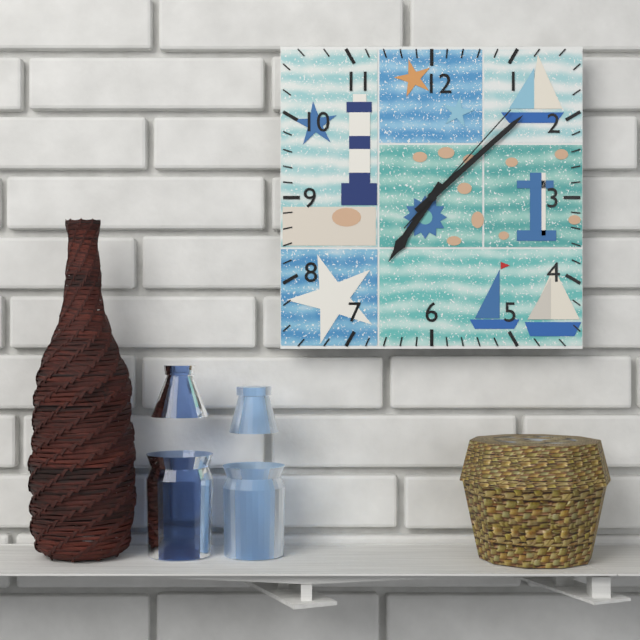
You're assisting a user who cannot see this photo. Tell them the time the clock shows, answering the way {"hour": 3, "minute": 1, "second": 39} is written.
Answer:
{"hour": 7, "minute": 8, "second": 7}
